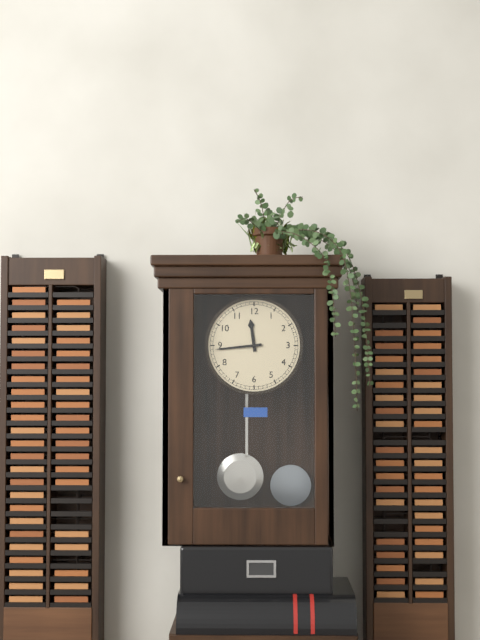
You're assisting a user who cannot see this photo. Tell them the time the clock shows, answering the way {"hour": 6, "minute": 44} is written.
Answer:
{"hour": 11, "minute": 44}
